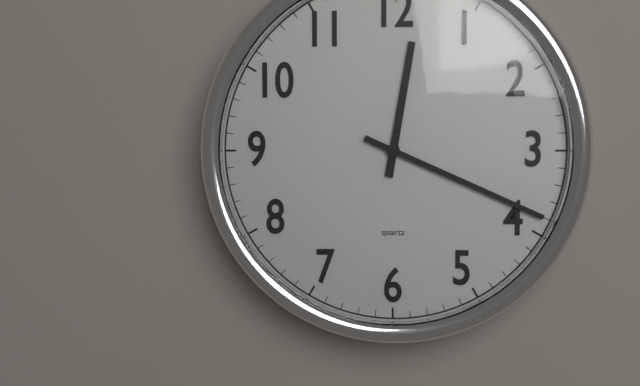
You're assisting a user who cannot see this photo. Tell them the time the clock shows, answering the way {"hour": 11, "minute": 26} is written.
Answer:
{"hour": 12, "minute": 19}
